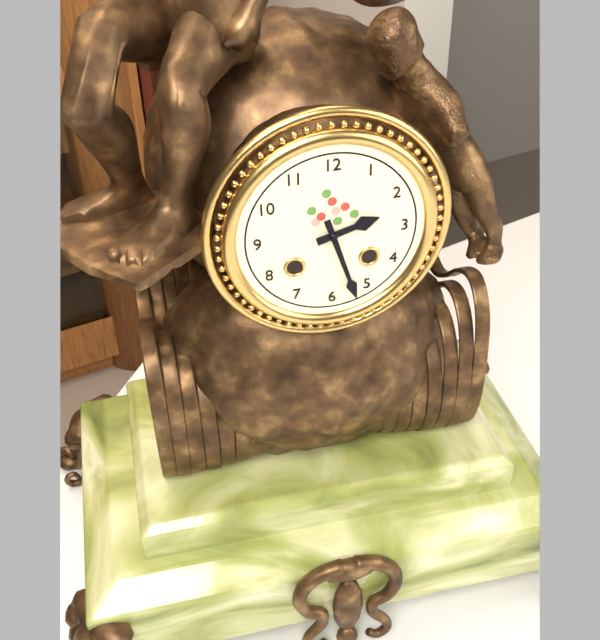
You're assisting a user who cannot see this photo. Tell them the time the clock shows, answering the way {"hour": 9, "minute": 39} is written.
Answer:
{"hour": 2, "minute": 27}
